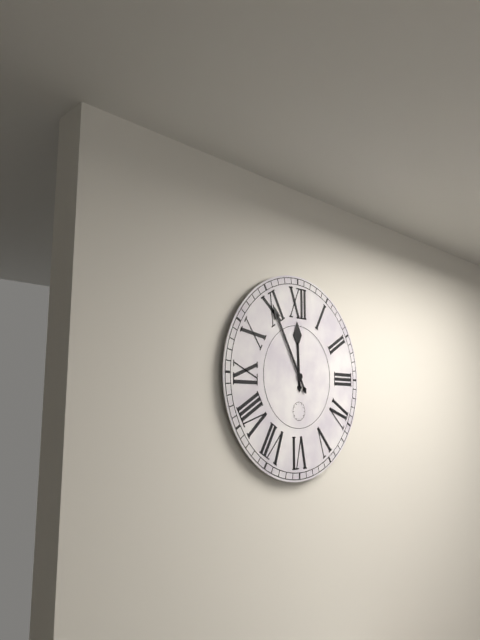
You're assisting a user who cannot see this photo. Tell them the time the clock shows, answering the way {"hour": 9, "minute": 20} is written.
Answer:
{"hour": 11, "minute": 55}
